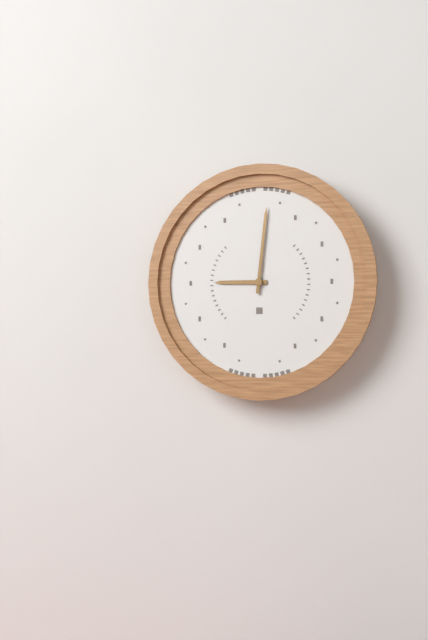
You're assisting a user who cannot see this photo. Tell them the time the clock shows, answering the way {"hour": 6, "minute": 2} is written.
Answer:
{"hour": 9, "minute": 1}
